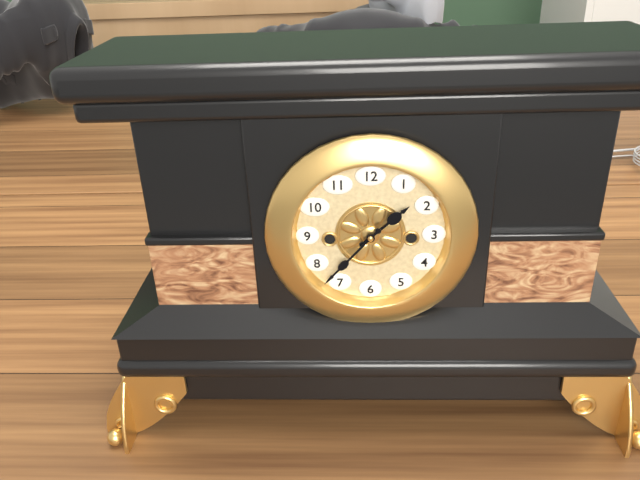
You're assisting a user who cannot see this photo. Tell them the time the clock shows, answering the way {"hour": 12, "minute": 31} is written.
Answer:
{"hour": 1, "minute": 37}
